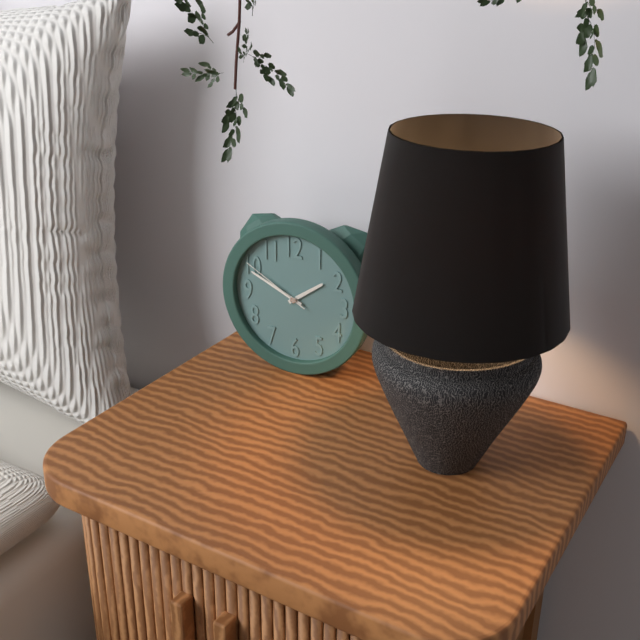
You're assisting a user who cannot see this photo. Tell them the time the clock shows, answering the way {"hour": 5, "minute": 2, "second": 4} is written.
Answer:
{"hour": 1, "minute": 49, "second": 50}
